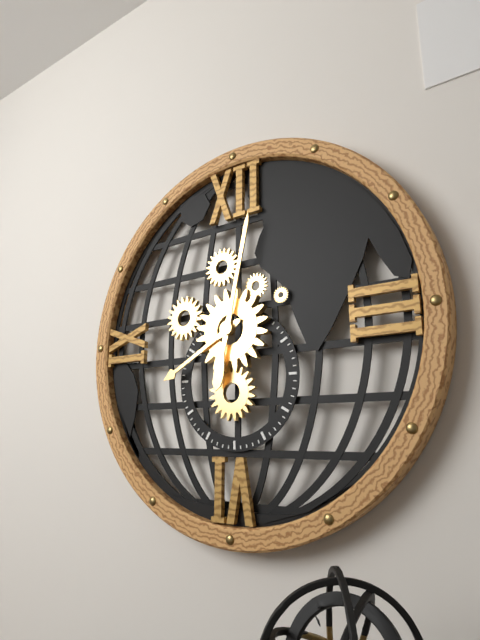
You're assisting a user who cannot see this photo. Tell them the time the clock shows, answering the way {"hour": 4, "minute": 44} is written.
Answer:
{"hour": 8, "minute": 2}
